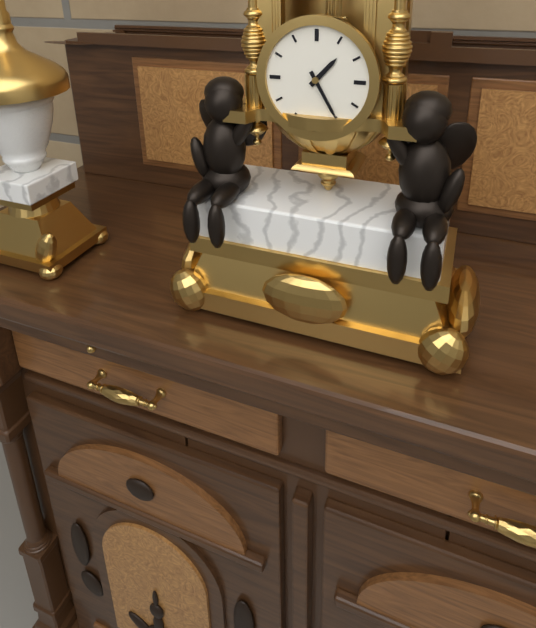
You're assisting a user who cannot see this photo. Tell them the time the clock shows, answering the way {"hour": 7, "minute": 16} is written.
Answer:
{"hour": 1, "minute": 25}
